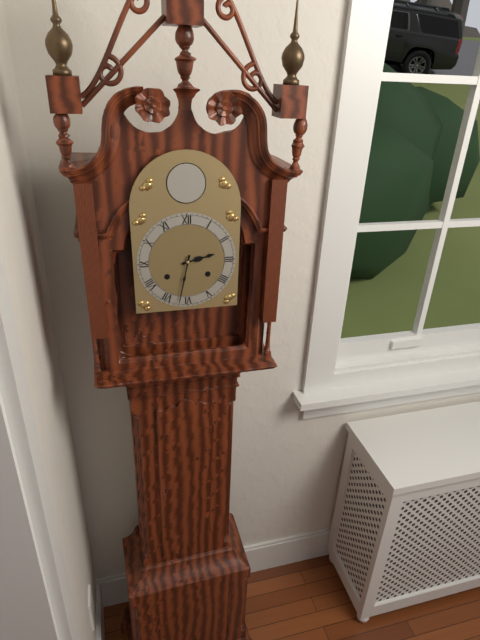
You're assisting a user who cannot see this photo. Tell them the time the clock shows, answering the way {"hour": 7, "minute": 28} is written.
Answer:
{"hour": 2, "minute": 32}
